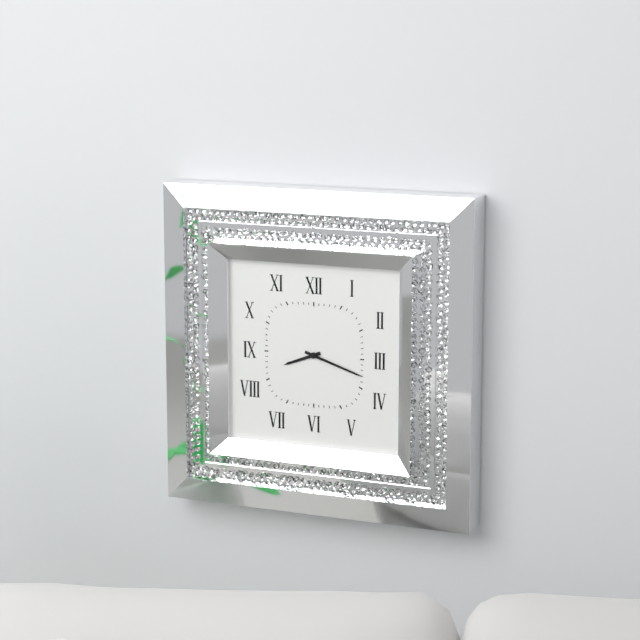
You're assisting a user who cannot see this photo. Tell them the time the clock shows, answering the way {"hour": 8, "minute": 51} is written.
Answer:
{"hour": 8, "minute": 18}
